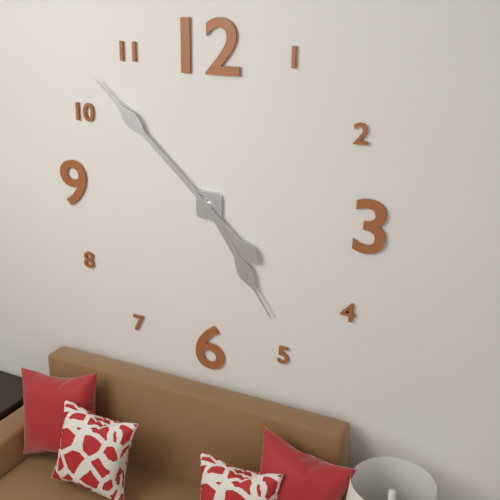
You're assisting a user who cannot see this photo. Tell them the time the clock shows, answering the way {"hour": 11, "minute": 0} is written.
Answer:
{"hour": 4, "minute": 52}
